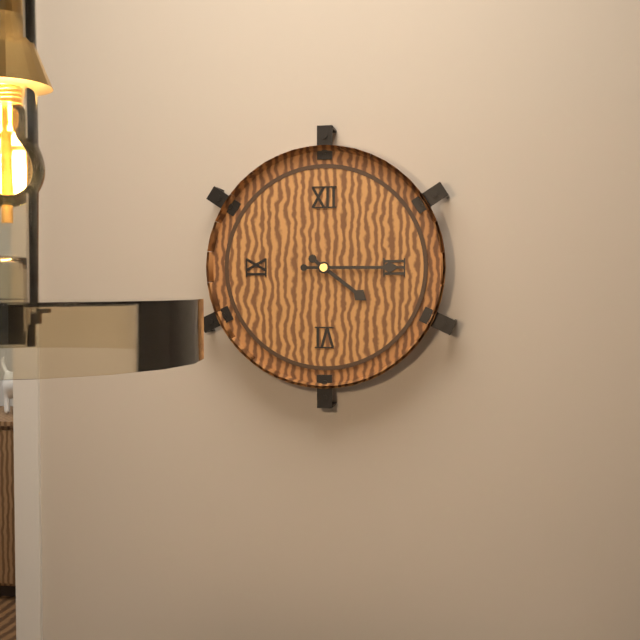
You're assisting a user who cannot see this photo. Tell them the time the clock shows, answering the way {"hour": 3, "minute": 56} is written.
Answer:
{"hour": 4, "minute": 15}
